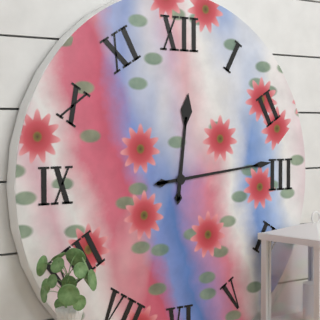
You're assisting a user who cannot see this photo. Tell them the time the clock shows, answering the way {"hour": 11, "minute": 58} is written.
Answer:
{"hour": 12, "minute": 14}
